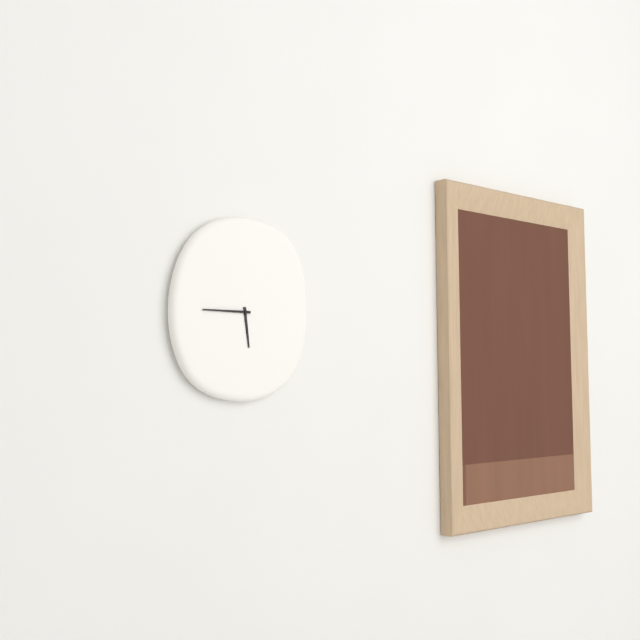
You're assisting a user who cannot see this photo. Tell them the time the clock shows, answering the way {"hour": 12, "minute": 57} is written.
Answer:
{"hour": 5, "minute": 45}
